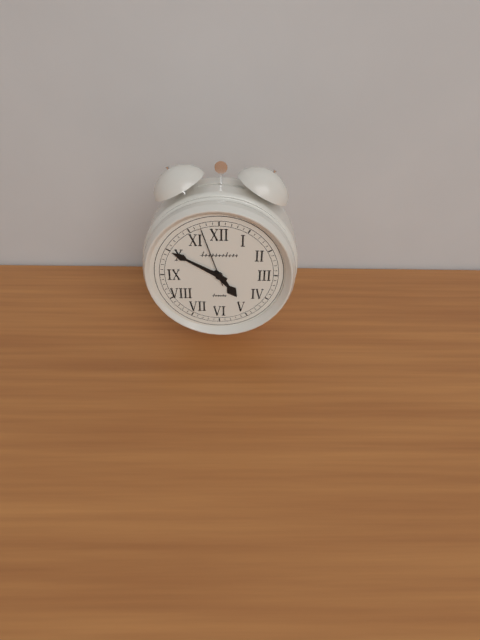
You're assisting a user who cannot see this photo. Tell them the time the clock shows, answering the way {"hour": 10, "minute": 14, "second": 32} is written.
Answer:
{"hour": 4, "minute": 50, "second": 57}
